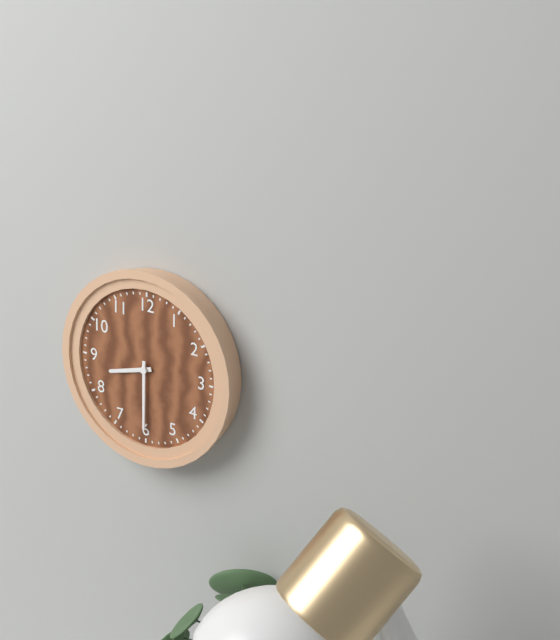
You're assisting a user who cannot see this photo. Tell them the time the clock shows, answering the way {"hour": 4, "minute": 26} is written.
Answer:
{"hour": 8, "minute": 30}
